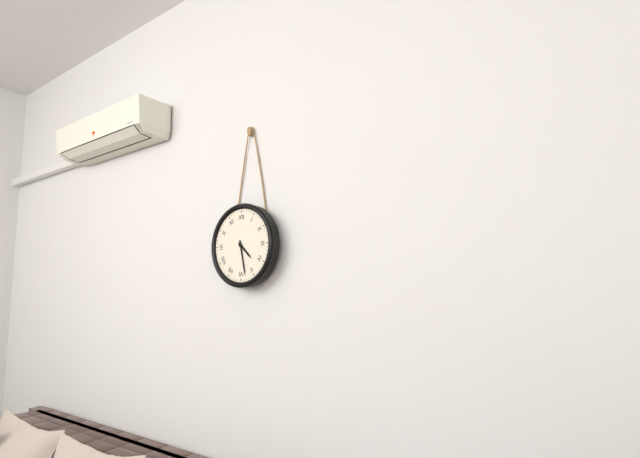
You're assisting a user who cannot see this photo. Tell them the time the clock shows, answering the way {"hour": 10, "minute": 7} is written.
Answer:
{"hour": 4, "minute": 28}
